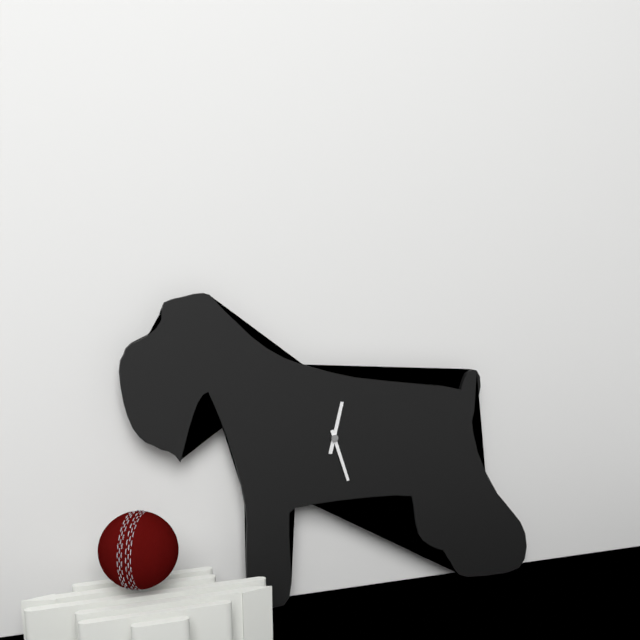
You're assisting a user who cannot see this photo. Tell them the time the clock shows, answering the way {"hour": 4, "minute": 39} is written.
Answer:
{"hour": 12, "minute": 27}
